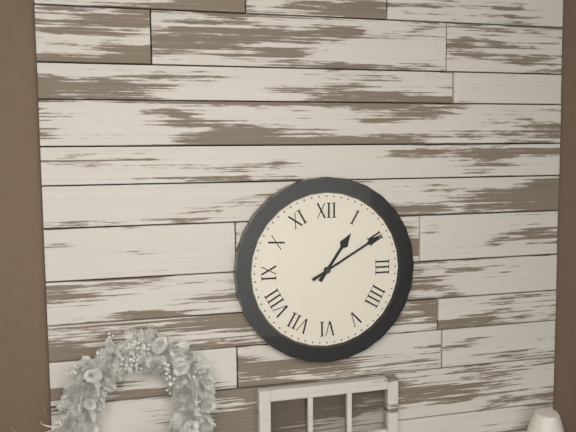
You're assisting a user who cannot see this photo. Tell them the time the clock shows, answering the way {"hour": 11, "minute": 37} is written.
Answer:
{"hour": 1, "minute": 10}
